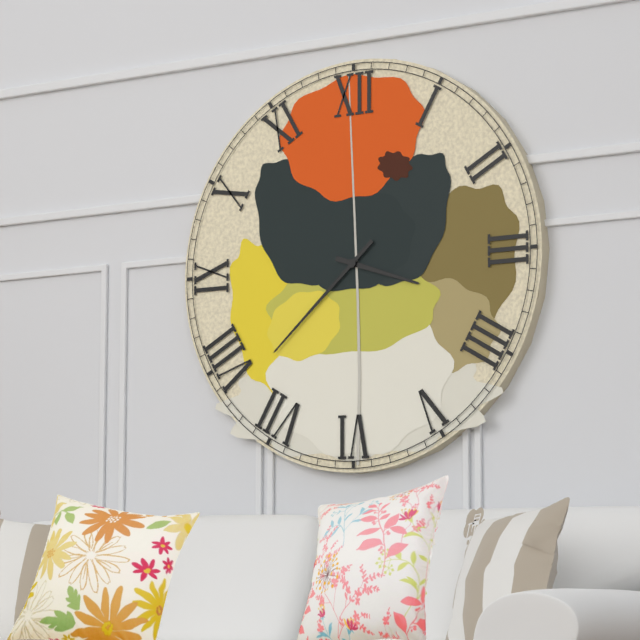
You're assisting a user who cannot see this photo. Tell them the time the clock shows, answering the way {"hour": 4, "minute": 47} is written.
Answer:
{"hour": 3, "minute": 38}
